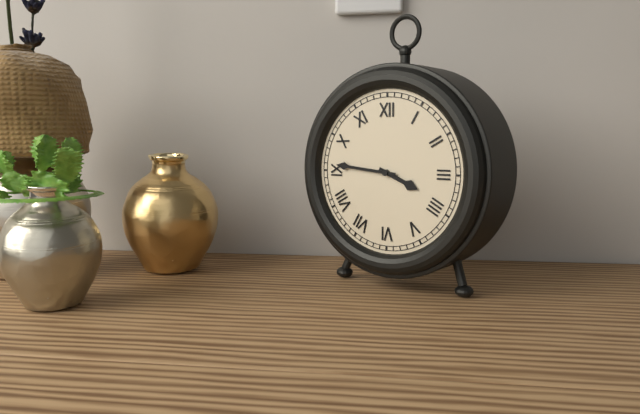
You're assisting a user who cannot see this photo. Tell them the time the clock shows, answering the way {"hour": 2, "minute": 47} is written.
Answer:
{"hour": 3, "minute": 46}
